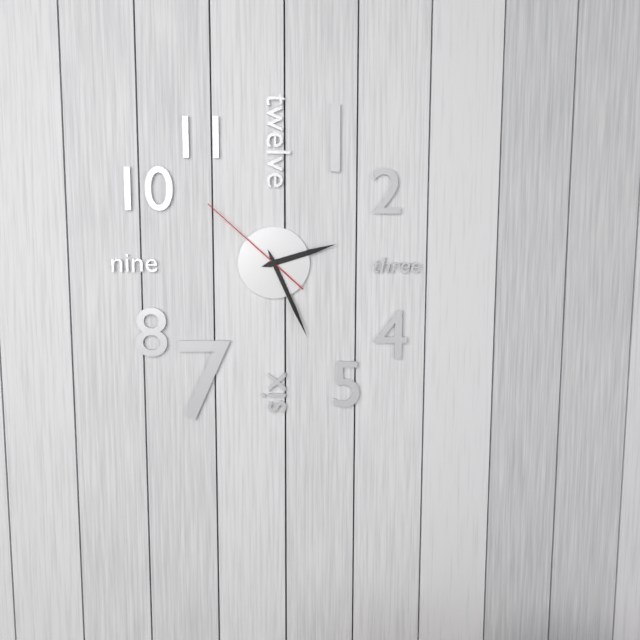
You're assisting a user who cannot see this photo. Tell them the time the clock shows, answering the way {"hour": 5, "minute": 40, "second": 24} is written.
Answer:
{"hour": 2, "minute": 26, "second": 52}
